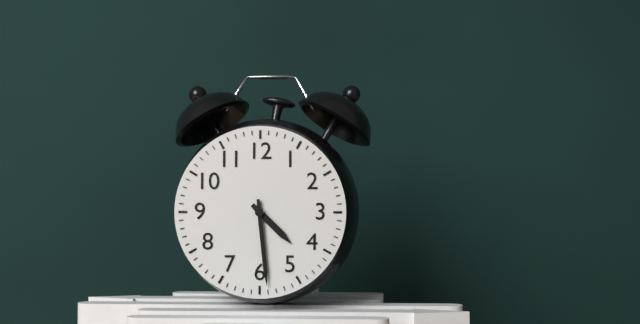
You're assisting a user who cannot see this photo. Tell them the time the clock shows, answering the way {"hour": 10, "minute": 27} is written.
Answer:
{"hour": 4, "minute": 29}
